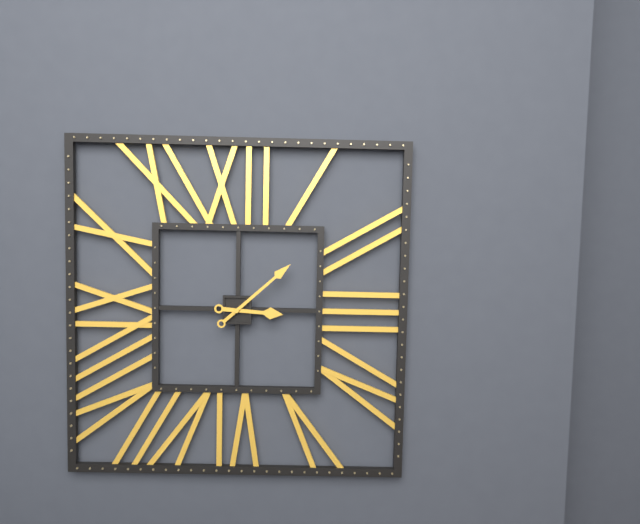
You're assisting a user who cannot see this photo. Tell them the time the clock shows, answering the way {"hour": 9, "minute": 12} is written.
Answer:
{"hour": 3, "minute": 8}
